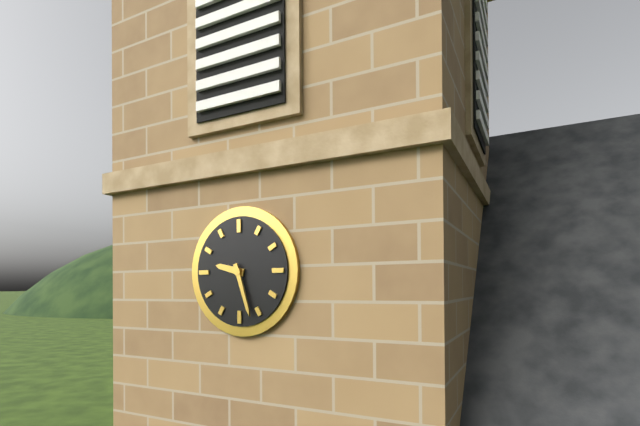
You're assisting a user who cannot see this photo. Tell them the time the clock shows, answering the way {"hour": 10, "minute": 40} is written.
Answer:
{"hour": 9, "minute": 27}
